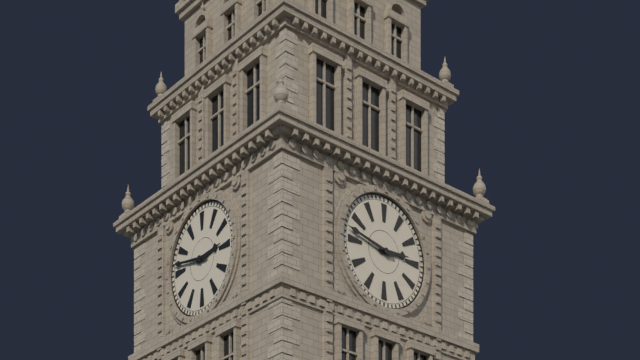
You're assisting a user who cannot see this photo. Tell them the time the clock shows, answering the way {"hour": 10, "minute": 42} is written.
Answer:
{"hour": 2, "minute": 47}
